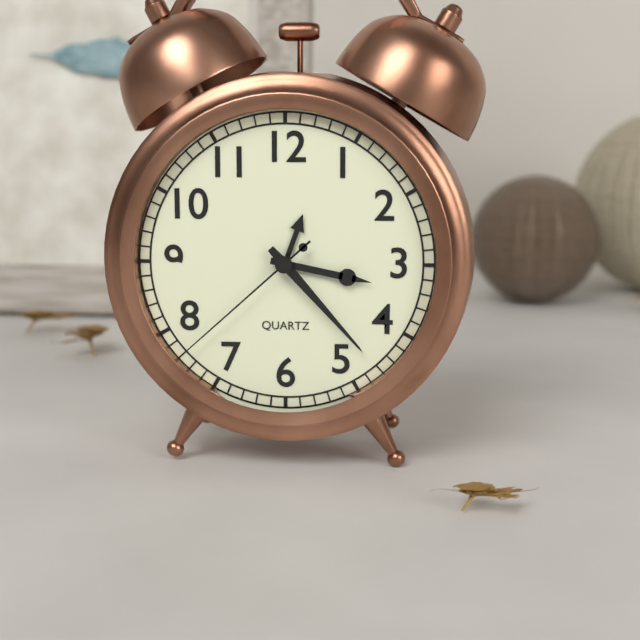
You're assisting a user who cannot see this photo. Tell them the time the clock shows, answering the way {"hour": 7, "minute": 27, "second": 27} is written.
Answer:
{"hour": 3, "minute": 23, "second": 38}
